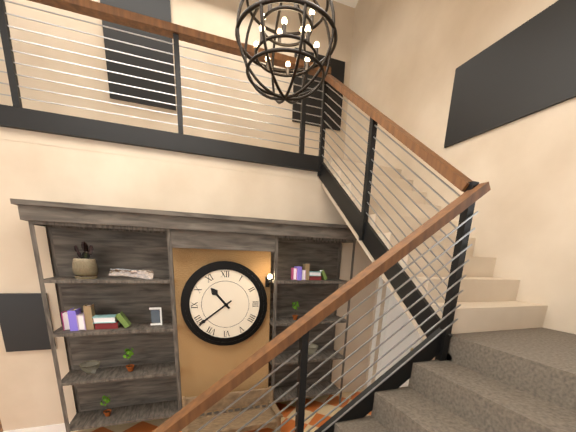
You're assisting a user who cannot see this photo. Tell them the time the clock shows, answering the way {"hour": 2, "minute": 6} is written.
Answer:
{"hour": 10, "minute": 39}
